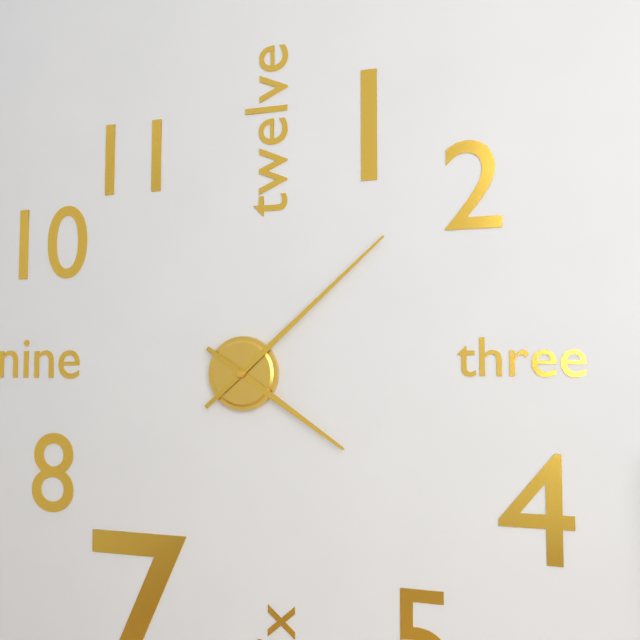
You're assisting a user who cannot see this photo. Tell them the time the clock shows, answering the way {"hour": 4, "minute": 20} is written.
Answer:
{"hour": 4, "minute": 8}
